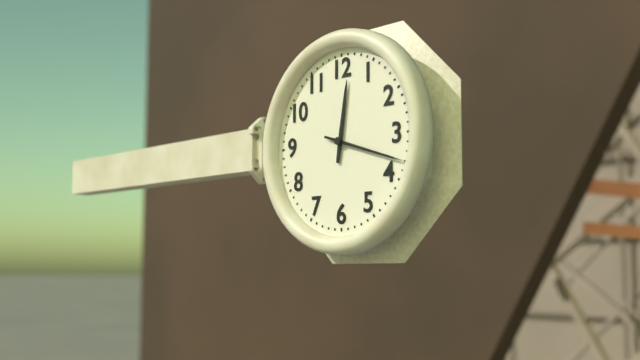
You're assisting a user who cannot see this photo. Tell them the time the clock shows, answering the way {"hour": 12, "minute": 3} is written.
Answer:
{"hour": 12, "minute": 18}
